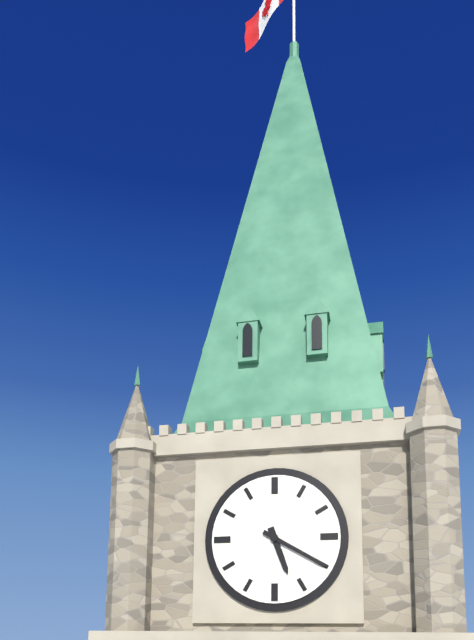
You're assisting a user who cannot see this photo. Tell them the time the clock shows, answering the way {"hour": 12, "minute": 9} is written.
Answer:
{"hour": 5, "minute": 20}
